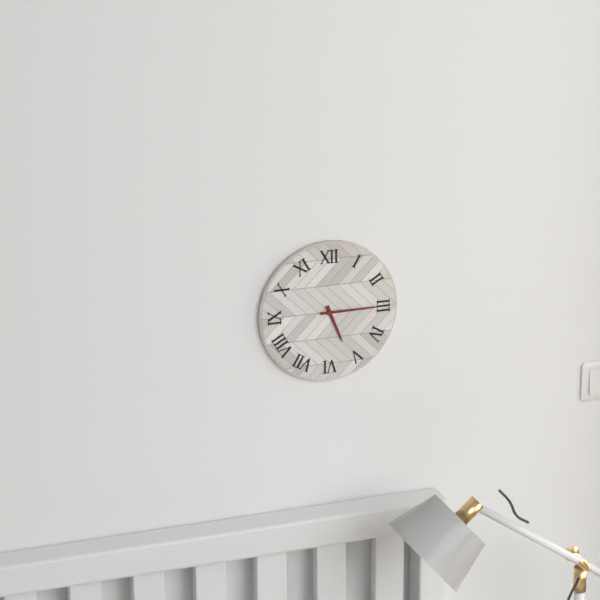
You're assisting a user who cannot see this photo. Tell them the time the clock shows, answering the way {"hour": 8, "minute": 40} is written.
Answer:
{"hour": 5, "minute": 15}
